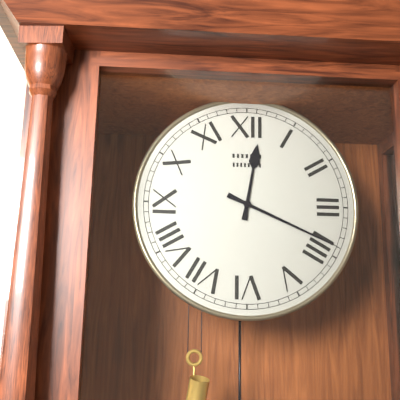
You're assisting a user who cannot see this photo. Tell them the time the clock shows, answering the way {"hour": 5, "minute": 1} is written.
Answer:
{"hour": 12, "minute": 19}
